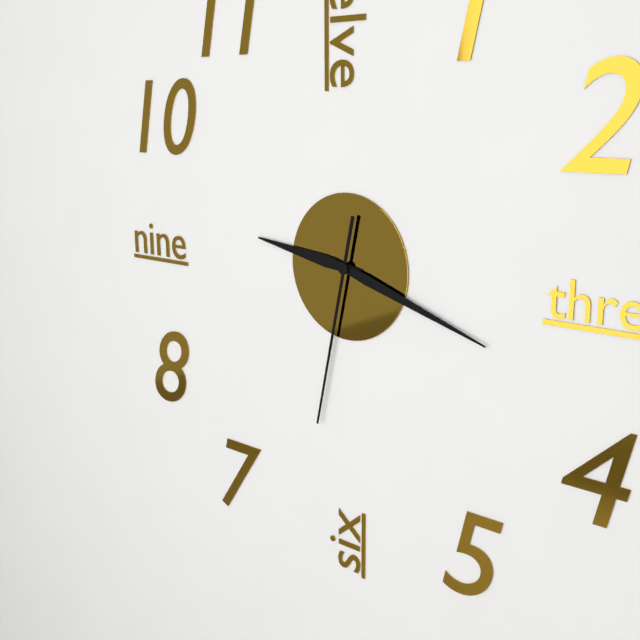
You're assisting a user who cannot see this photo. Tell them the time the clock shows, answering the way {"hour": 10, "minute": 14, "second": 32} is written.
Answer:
{"hour": 9, "minute": 18, "second": 32}
